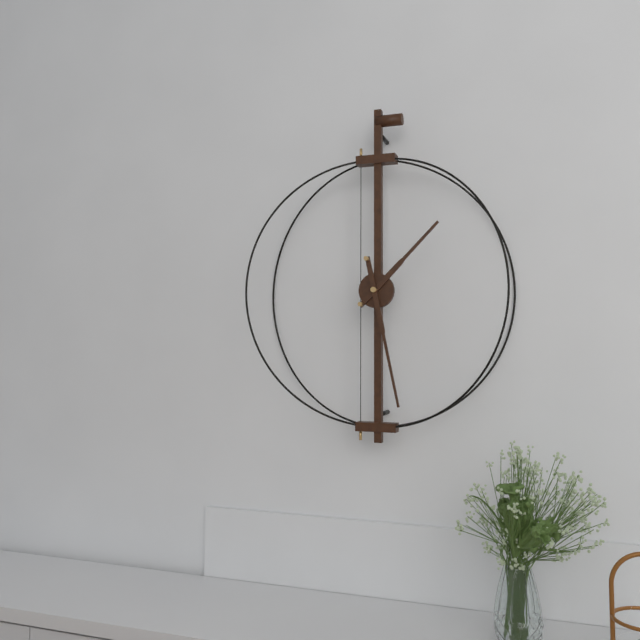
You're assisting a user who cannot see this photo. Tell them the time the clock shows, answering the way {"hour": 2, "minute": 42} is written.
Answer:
{"hour": 1, "minute": 28}
